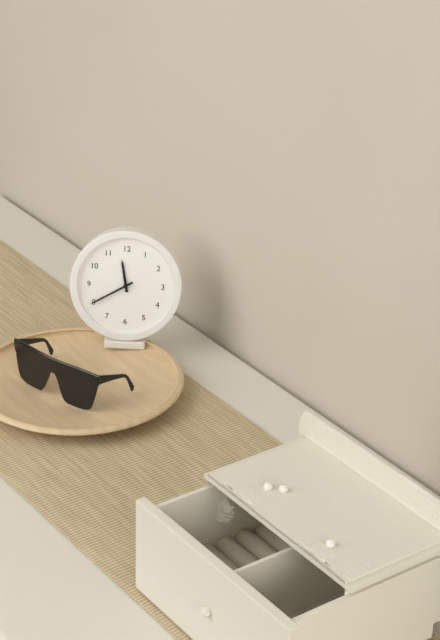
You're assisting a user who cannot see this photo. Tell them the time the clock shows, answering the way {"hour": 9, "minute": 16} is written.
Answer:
{"hour": 11, "minute": 40}
